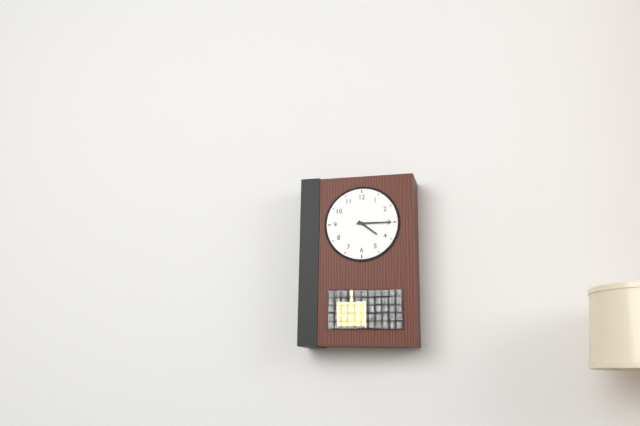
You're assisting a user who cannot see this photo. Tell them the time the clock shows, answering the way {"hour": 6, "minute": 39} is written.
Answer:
{"hour": 4, "minute": 15}
